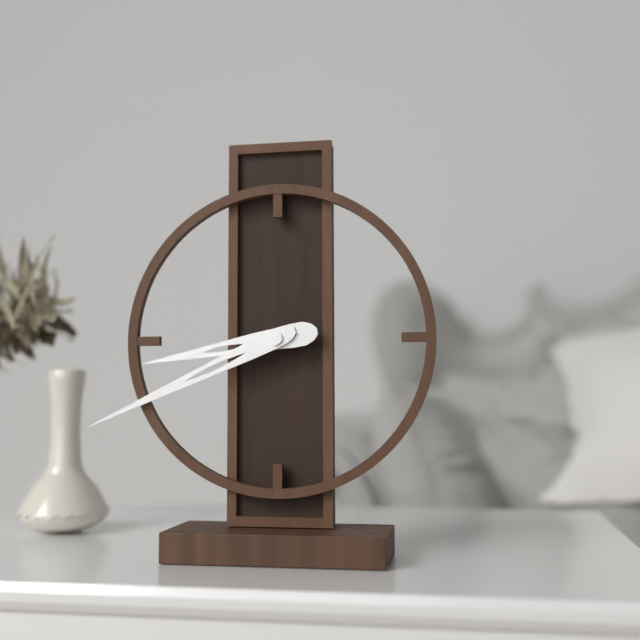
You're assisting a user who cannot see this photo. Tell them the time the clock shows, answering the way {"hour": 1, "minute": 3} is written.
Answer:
{"hour": 8, "minute": 41}
